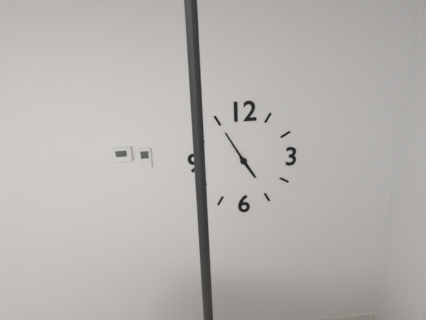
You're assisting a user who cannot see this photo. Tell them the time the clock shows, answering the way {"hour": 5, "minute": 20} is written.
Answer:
{"hour": 4, "minute": 55}
